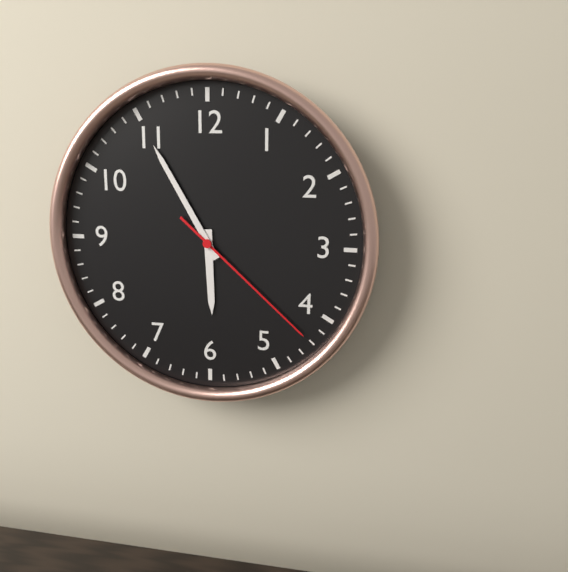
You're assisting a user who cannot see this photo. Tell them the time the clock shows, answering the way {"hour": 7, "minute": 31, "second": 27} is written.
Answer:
{"hour": 5, "minute": 55, "second": 22}
